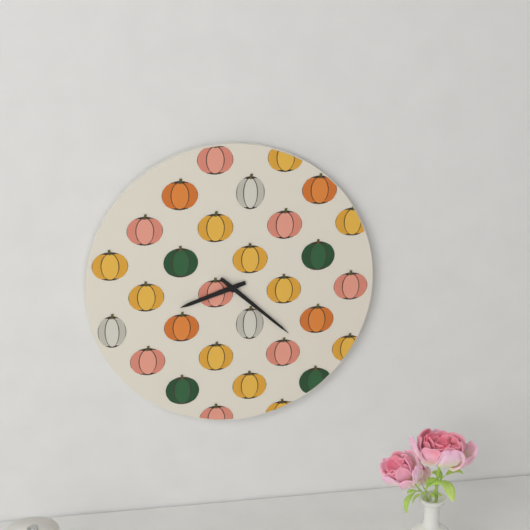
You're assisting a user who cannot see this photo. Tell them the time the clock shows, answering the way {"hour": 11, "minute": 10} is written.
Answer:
{"hour": 8, "minute": 22}
